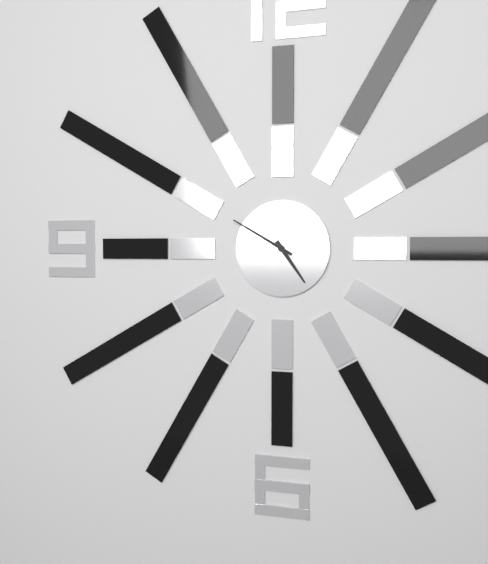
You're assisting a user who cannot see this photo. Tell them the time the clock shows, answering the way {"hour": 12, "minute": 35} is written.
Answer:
{"hour": 4, "minute": 50}
